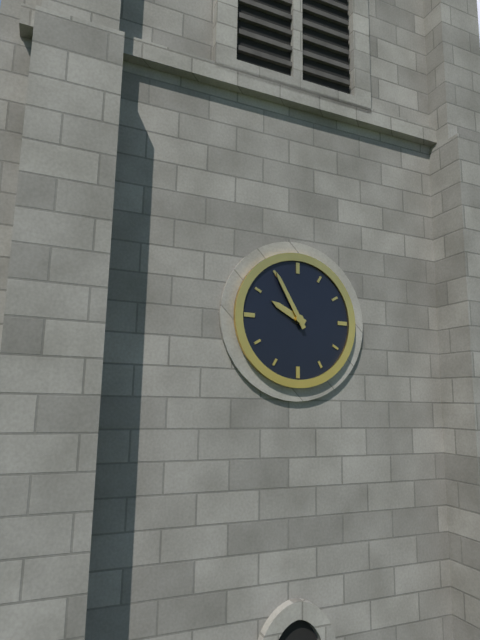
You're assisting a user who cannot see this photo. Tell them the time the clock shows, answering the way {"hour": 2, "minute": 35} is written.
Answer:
{"hour": 9, "minute": 55}
